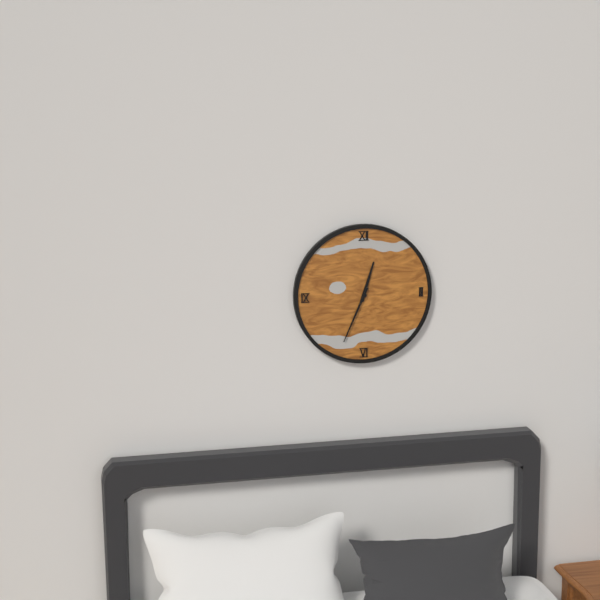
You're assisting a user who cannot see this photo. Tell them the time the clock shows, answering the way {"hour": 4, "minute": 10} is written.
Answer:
{"hour": 12, "minute": 34}
